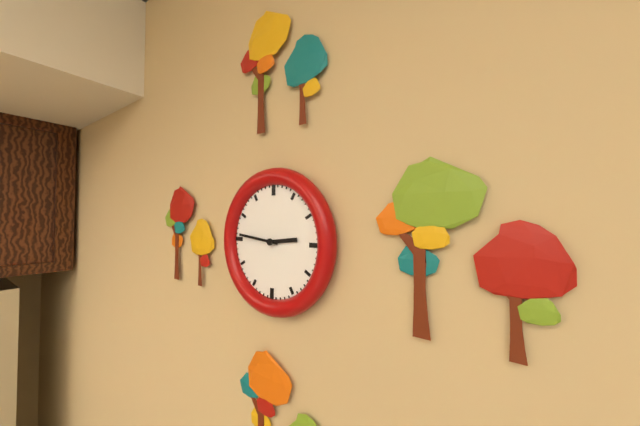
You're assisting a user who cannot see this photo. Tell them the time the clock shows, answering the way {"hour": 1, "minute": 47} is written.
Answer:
{"hour": 2, "minute": 46}
